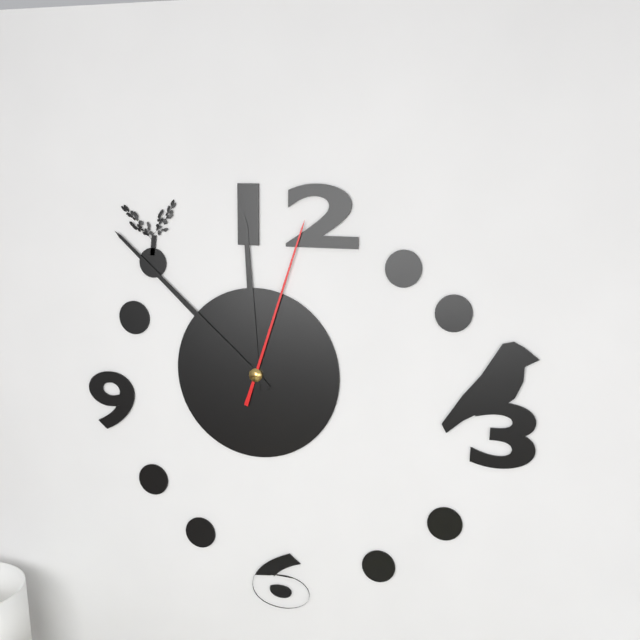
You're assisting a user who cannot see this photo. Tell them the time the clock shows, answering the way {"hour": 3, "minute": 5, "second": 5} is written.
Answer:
{"hour": 11, "minute": 52, "second": 3}
